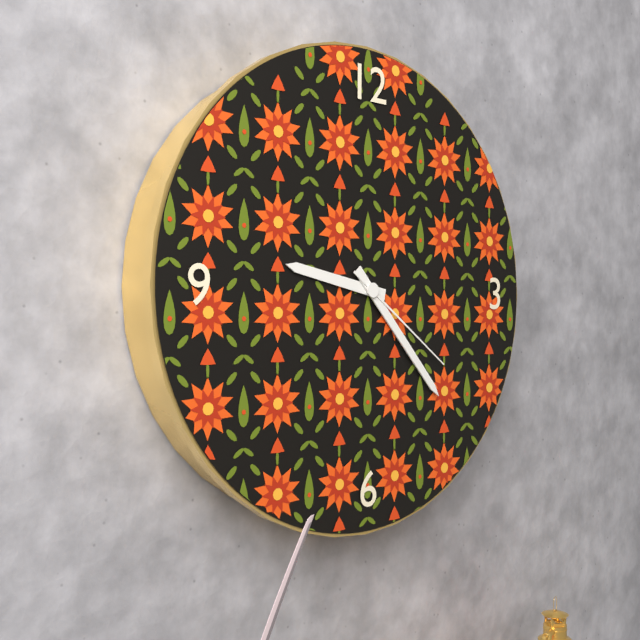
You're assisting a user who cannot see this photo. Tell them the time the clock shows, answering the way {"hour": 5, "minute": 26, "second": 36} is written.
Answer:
{"hour": 9, "minute": 23, "second": 21}
